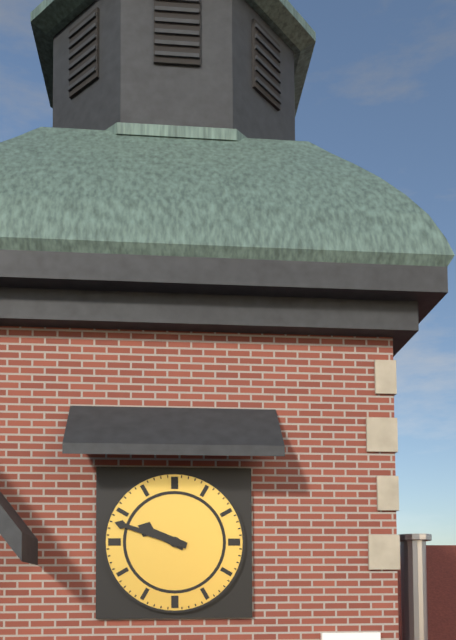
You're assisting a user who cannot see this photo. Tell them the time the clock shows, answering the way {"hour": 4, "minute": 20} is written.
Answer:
{"hour": 9, "minute": 48}
